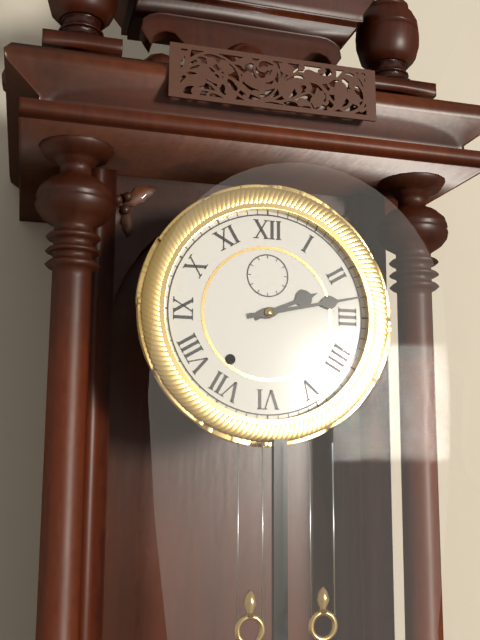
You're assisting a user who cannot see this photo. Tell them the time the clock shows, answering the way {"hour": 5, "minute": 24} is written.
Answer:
{"hour": 2, "minute": 13}
